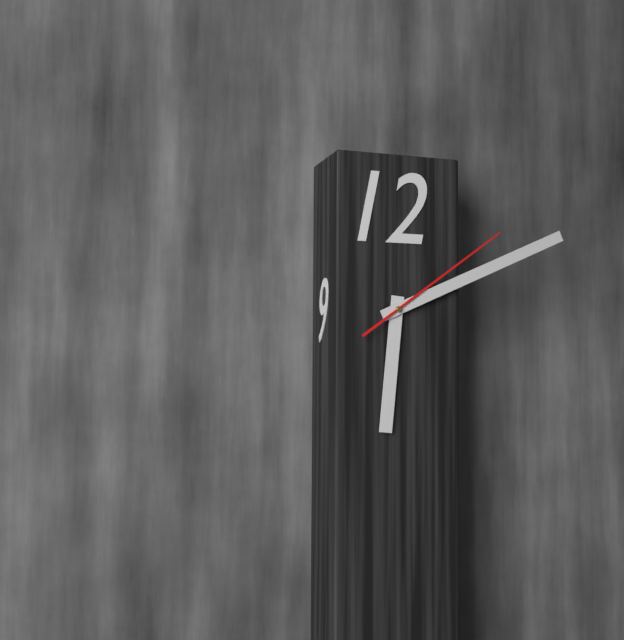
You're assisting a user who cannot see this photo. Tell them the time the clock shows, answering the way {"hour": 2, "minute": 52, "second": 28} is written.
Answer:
{"hour": 6, "minute": 11, "second": 9}
